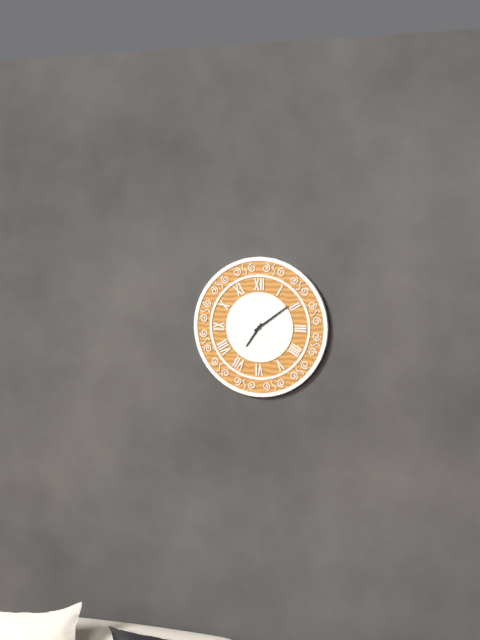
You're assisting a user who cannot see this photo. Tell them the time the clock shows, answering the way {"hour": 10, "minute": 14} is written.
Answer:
{"hour": 7, "minute": 9}
